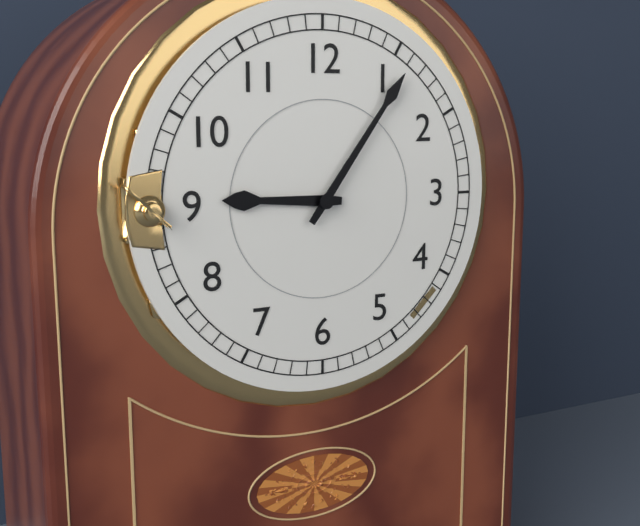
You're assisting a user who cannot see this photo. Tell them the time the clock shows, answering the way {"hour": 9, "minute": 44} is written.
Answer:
{"hour": 9, "minute": 6}
